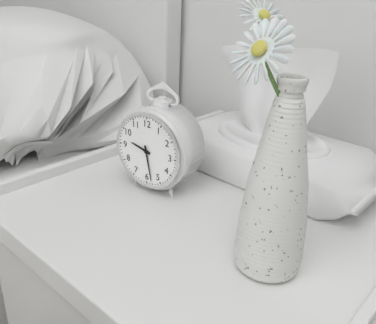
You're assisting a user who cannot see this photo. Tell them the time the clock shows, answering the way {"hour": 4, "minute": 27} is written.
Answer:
{"hour": 9, "minute": 28}
